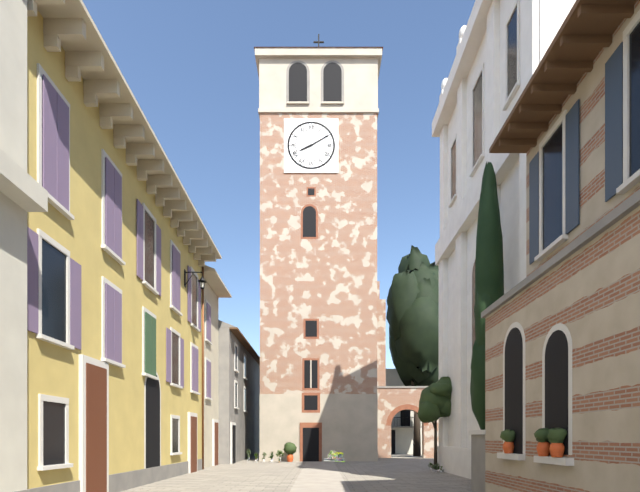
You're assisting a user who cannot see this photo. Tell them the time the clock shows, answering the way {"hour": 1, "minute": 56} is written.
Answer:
{"hour": 8, "minute": 10}
